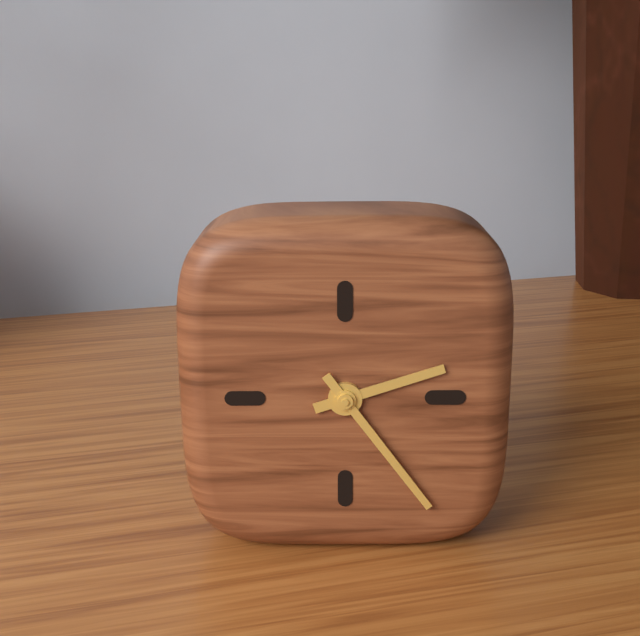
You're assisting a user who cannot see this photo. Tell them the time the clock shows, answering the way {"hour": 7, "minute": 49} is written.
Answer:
{"hour": 2, "minute": 24}
